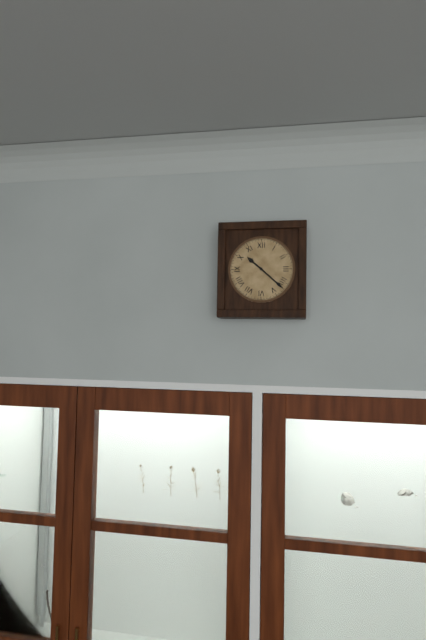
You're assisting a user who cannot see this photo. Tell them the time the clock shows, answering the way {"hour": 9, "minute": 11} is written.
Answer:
{"hour": 10, "minute": 22}
